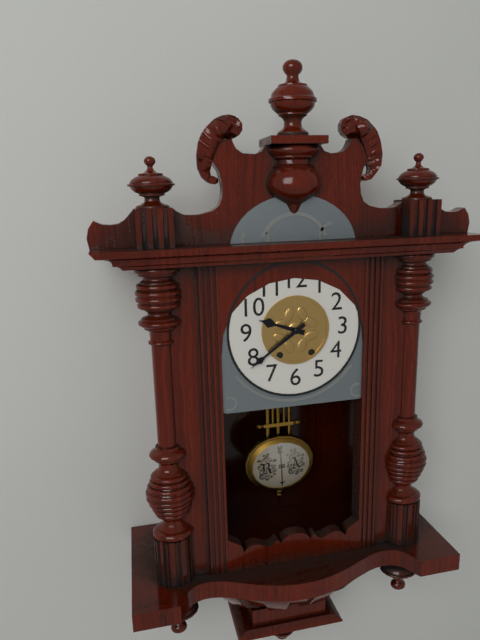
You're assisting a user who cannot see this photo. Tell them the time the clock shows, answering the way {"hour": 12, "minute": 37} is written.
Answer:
{"hour": 9, "minute": 39}
